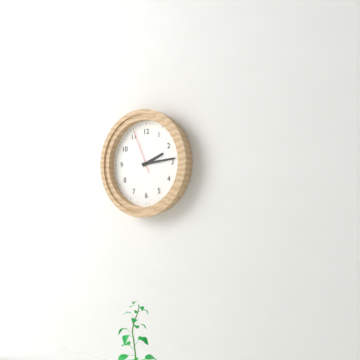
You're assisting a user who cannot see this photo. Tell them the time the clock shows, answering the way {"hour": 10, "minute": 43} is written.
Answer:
{"hour": 2, "minute": 14}
